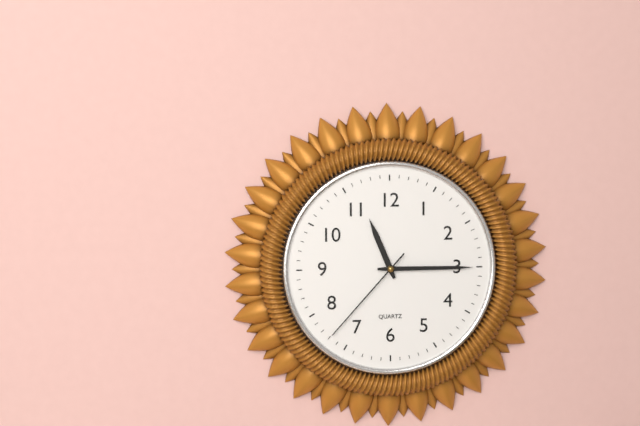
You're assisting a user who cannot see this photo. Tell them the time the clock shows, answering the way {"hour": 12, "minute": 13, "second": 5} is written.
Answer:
{"hour": 11, "minute": 15, "second": 37}
